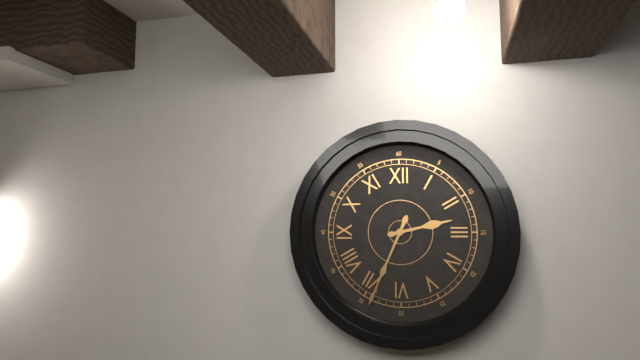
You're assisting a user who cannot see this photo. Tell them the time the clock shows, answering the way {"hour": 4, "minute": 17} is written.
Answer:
{"hour": 2, "minute": 34}
